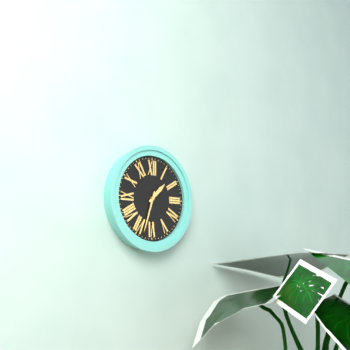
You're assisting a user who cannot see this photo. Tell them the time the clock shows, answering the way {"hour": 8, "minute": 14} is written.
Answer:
{"hour": 1, "minute": 33}
